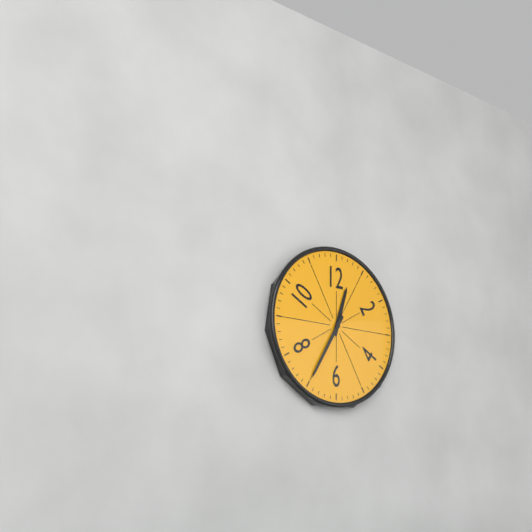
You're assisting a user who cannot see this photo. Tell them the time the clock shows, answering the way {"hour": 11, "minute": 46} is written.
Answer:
{"hour": 12, "minute": 35}
